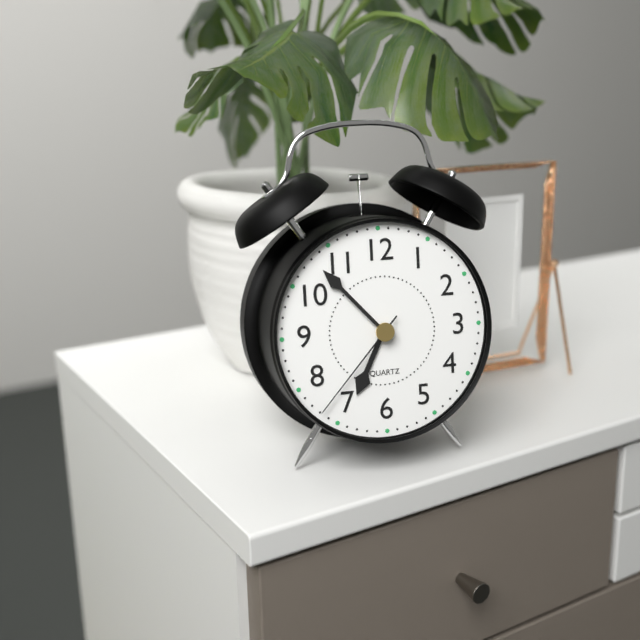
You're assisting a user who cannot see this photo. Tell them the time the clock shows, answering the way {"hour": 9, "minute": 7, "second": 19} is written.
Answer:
{"hour": 6, "minute": 53, "second": 37}
